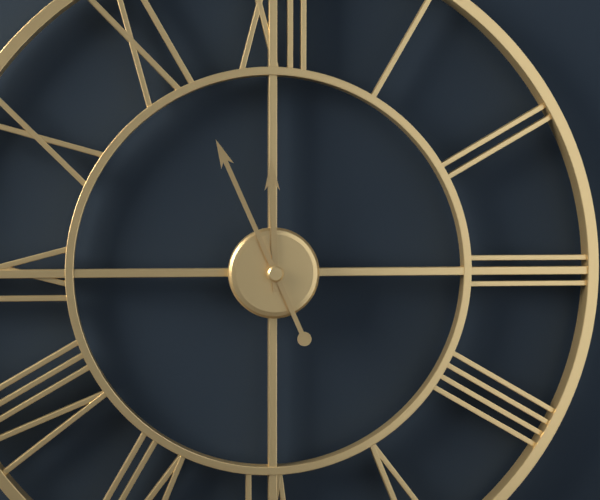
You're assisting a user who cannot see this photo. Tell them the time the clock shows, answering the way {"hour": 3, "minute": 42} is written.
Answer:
{"hour": 11, "minute": 56}
